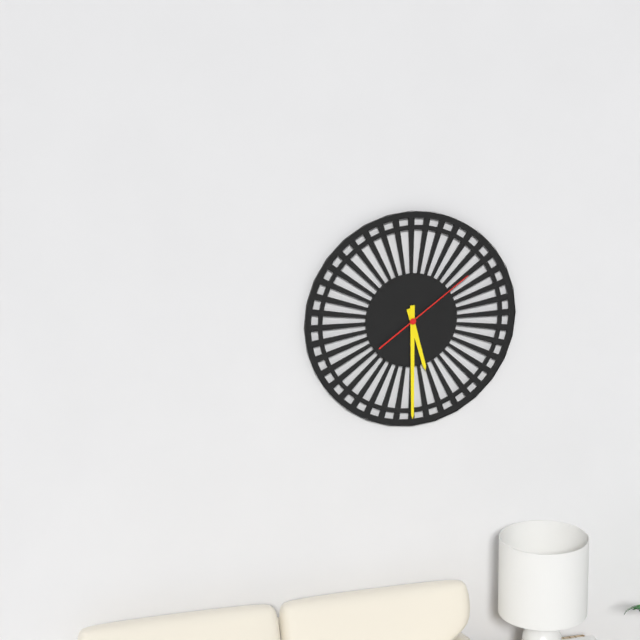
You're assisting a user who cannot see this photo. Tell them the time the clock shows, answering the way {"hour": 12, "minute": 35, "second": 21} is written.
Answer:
{"hour": 5, "minute": 30, "second": 9}
